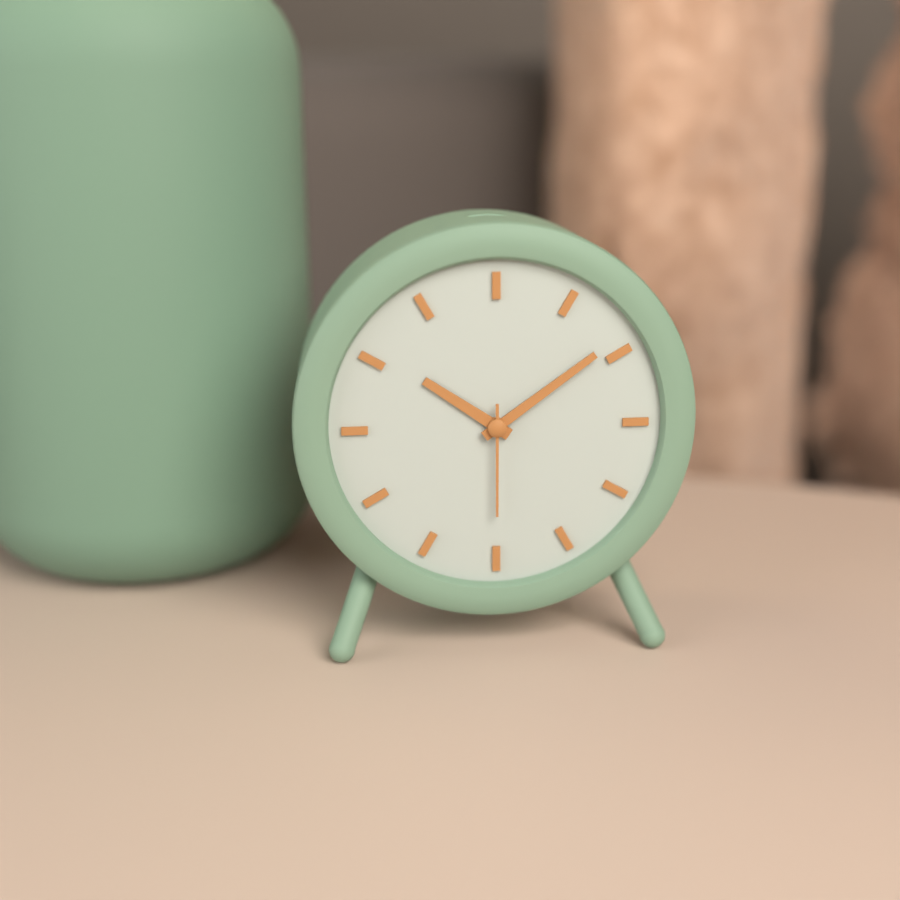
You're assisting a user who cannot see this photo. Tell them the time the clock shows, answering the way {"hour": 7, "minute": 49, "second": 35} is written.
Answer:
{"hour": 10, "minute": 9, "second": 30}
